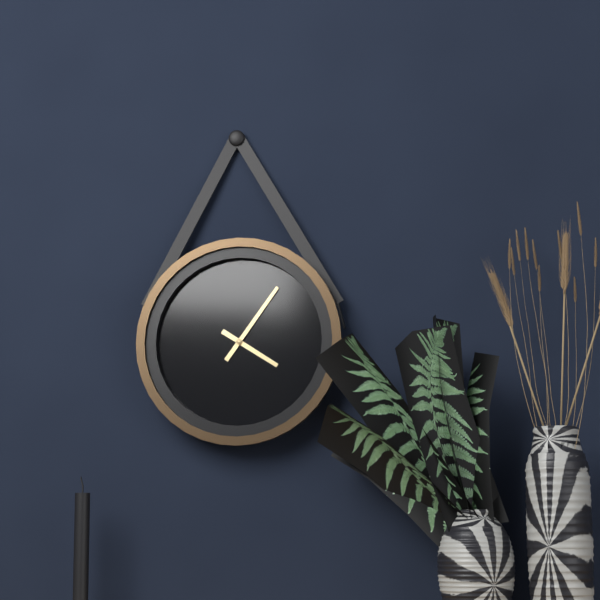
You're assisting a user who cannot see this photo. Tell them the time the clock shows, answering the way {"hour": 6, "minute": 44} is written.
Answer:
{"hour": 4, "minute": 6}
